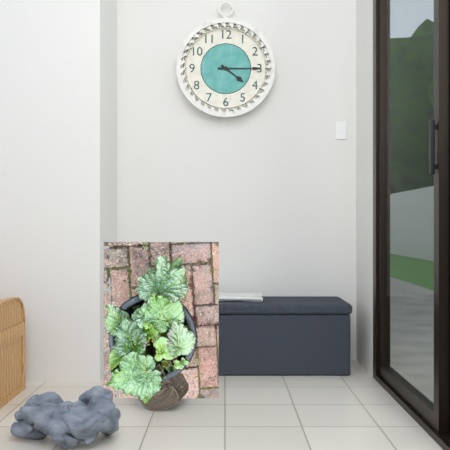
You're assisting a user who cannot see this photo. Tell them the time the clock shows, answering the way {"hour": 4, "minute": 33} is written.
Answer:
{"hour": 4, "minute": 15}
